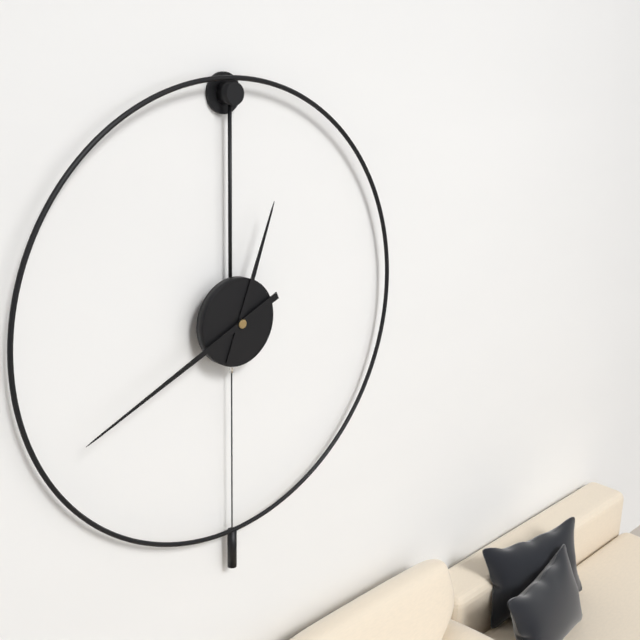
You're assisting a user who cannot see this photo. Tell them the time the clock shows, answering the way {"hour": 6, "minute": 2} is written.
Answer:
{"hour": 12, "minute": 41}
